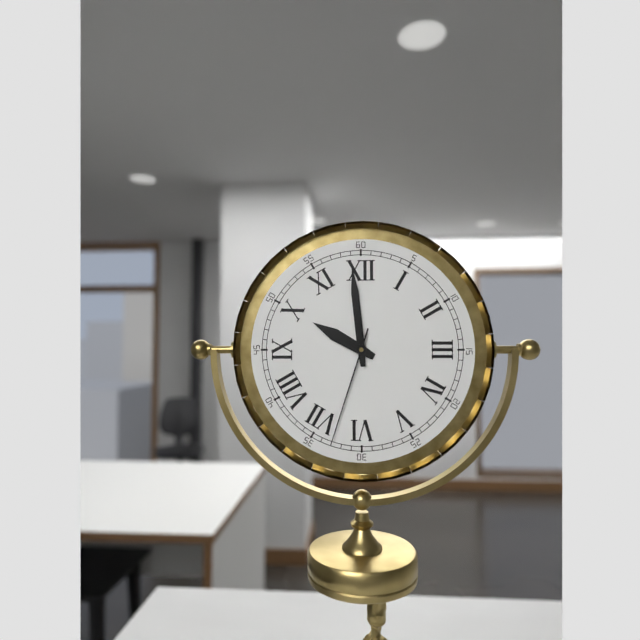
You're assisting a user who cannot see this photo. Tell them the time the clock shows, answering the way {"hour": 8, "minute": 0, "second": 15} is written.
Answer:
{"hour": 9, "minute": 59, "second": 33}
